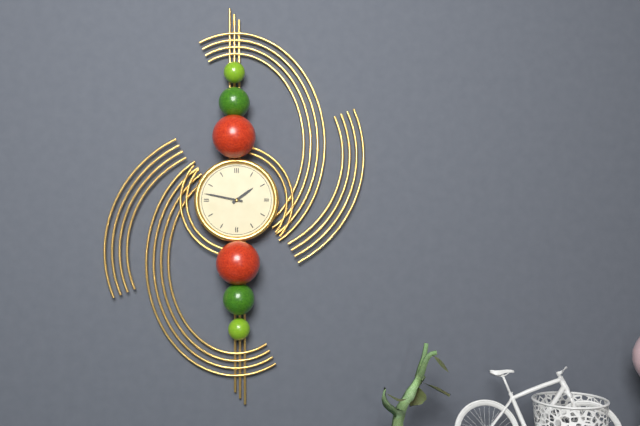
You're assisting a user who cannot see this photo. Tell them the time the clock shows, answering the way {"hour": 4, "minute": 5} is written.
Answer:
{"hour": 1, "minute": 47}
